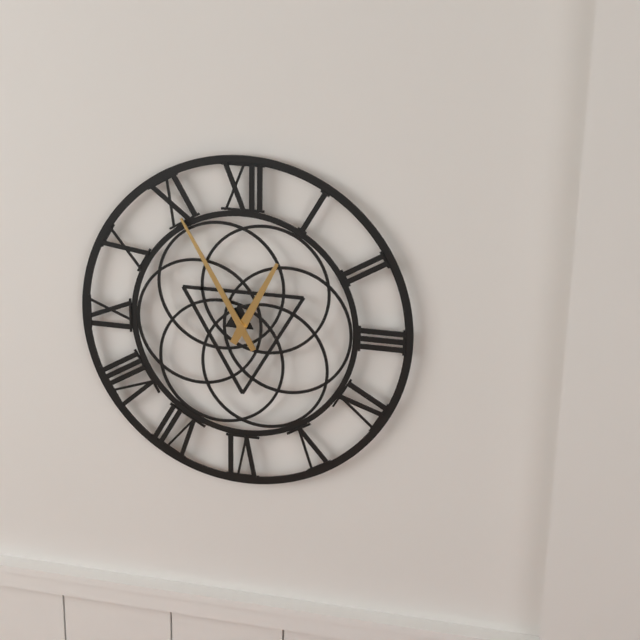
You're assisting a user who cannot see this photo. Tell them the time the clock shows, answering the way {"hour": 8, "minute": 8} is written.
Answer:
{"hour": 12, "minute": 55}
